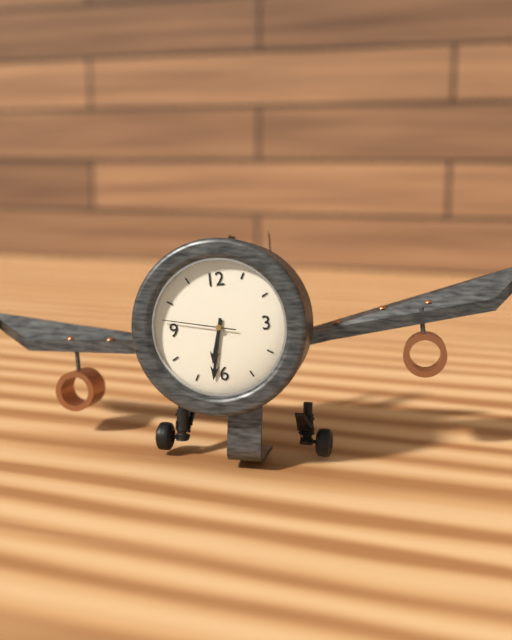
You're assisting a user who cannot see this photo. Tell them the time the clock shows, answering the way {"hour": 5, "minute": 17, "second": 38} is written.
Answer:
{"hour": 6, "minute": 32, "second": 47}
